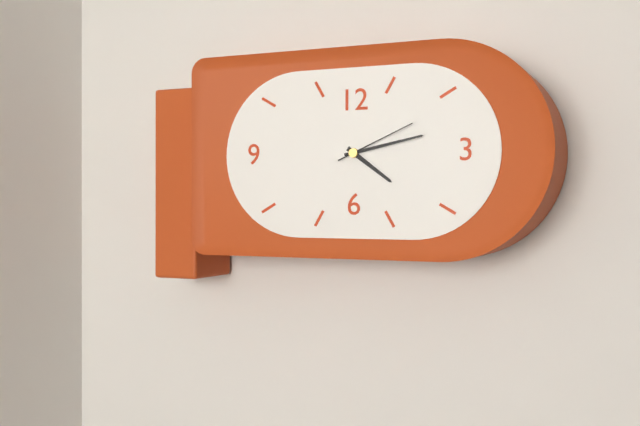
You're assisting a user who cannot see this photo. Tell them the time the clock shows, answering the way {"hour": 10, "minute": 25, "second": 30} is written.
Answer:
{"hour": 4, "minute": 13, "second": 11}
